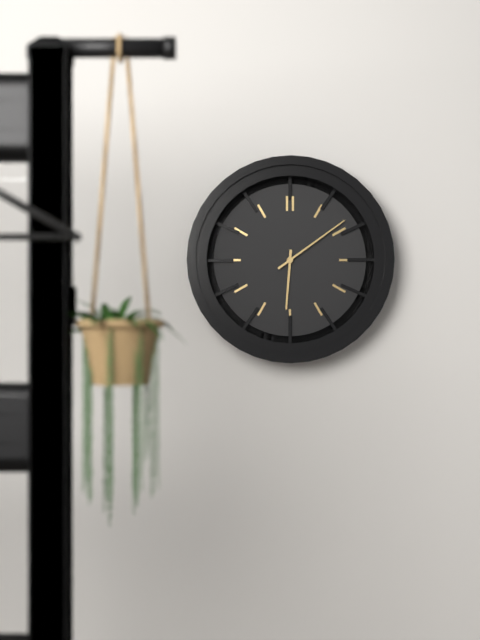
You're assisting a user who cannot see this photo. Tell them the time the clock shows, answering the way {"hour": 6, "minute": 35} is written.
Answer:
{"hour": 6, "minute": 9}
